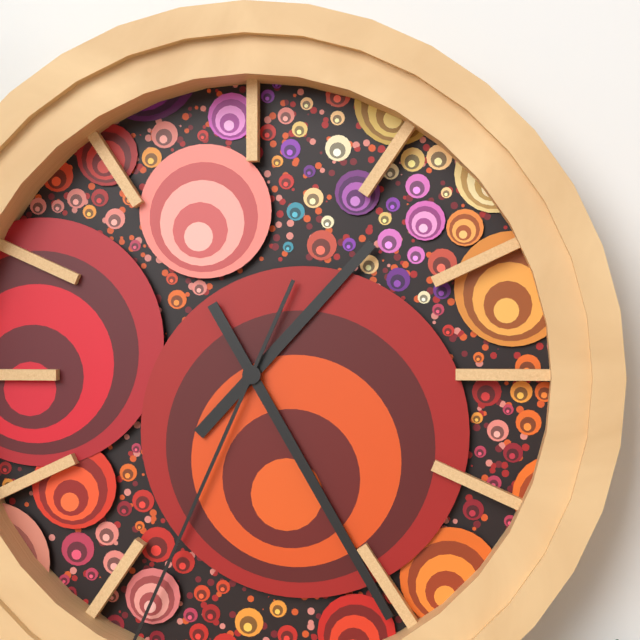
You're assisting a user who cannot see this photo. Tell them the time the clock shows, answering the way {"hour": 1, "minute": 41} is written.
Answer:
{"hour": 1, "minute": 25}
